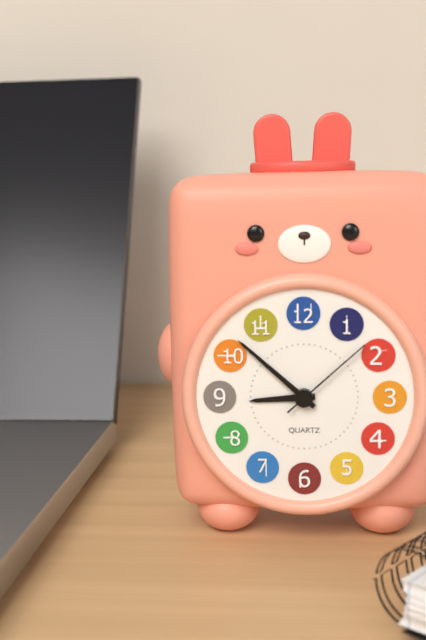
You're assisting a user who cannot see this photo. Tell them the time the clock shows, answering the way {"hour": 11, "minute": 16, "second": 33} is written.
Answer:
{"hour": 8, "minute": 52, "second": 8}
